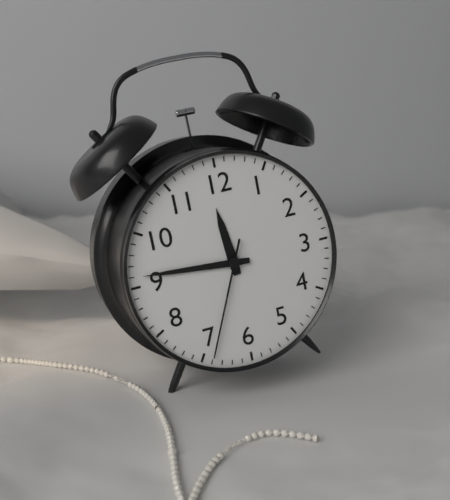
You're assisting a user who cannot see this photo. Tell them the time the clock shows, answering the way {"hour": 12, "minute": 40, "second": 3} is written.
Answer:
{"hour": 11, "minute": 46, "second": 34}
